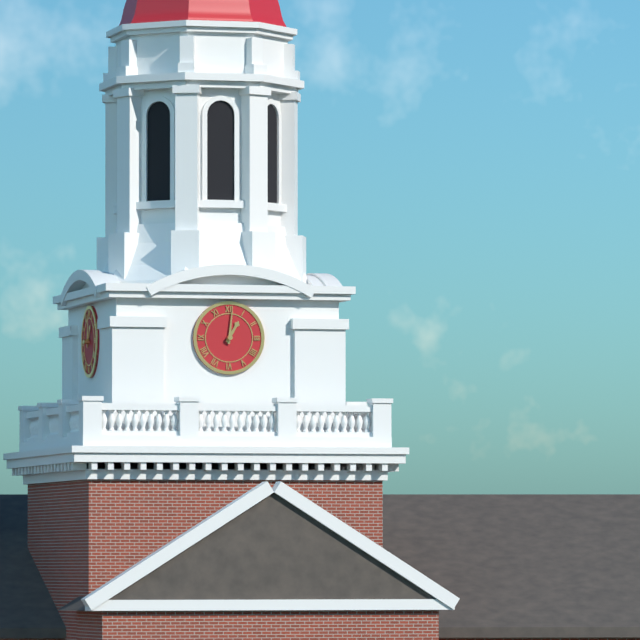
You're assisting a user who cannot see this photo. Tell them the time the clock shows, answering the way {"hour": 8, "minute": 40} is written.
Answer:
{"hour": 1, "minute": 1}
